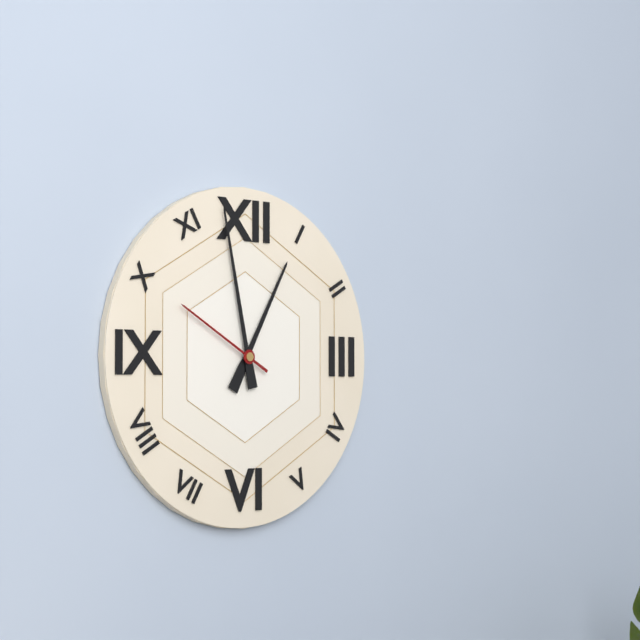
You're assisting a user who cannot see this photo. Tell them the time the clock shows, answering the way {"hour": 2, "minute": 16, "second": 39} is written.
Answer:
{"hour": 12, "minute": 58, "second": 50}
